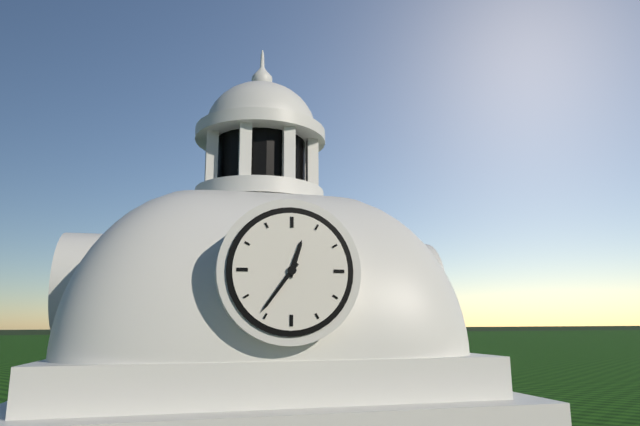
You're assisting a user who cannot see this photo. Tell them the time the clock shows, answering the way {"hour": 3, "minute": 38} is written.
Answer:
{"hour": 12, "minute": 36}
